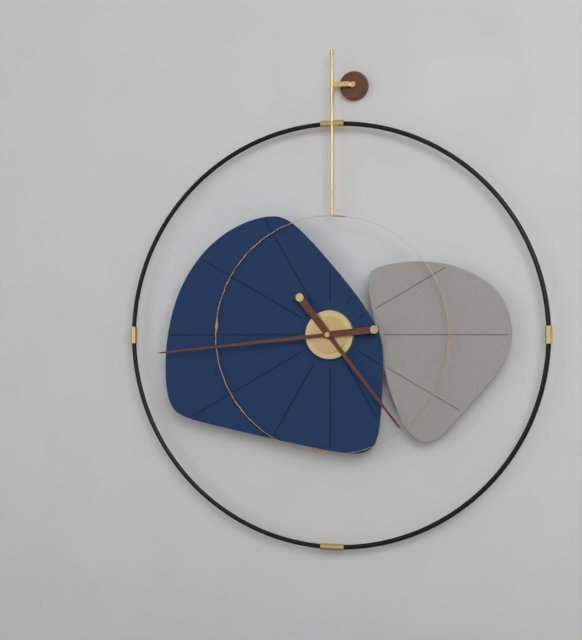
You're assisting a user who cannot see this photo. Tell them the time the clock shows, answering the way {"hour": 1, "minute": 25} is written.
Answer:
{"hour": 4, "minute": 44}
